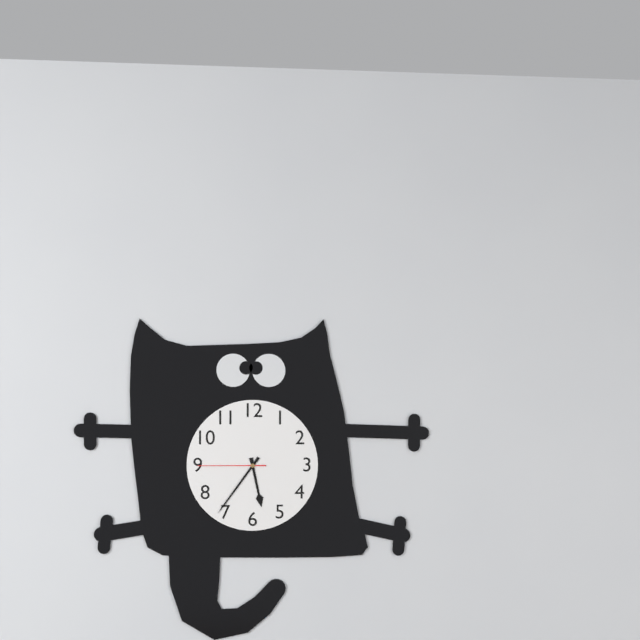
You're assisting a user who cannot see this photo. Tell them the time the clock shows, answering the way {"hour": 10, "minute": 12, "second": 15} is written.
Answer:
{"hour": 5, "minute": 36, "second": 45}
